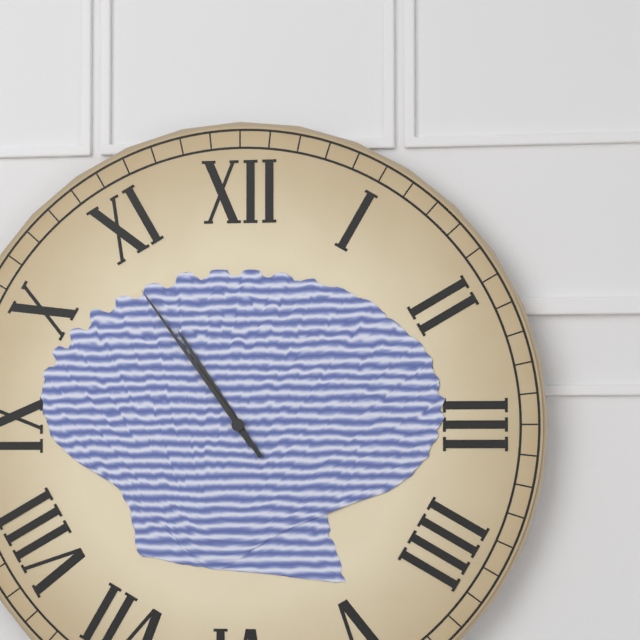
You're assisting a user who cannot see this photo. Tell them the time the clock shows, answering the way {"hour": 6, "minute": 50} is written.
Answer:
{"hour": 10, "minute": 54}
